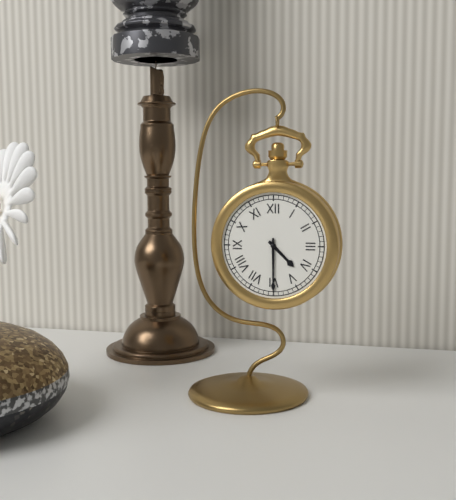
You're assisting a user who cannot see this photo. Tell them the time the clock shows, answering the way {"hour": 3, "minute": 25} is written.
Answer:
{"hour": 4, "minute": 30}
